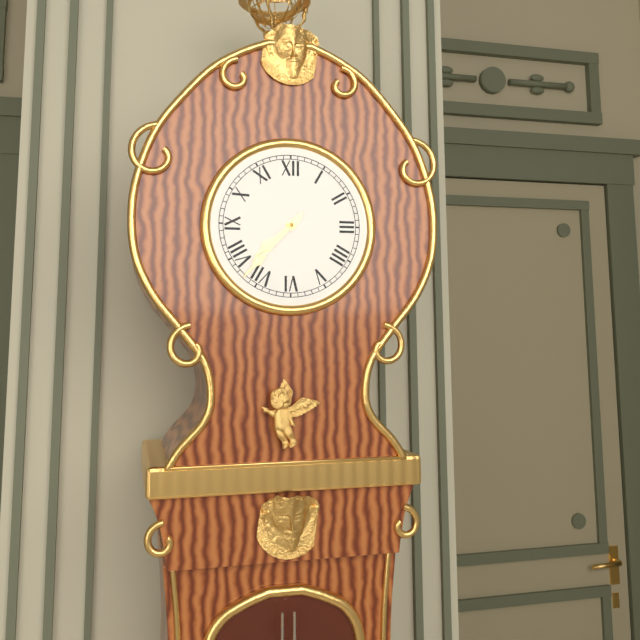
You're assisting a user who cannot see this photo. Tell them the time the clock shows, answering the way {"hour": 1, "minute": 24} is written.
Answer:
{"hour": 7, "minute": 37}
